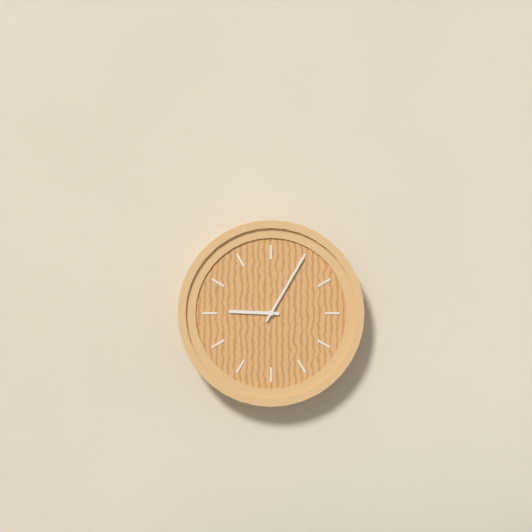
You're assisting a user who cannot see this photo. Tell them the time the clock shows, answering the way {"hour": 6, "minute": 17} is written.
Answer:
{"hour": 9, "minute": 5}
